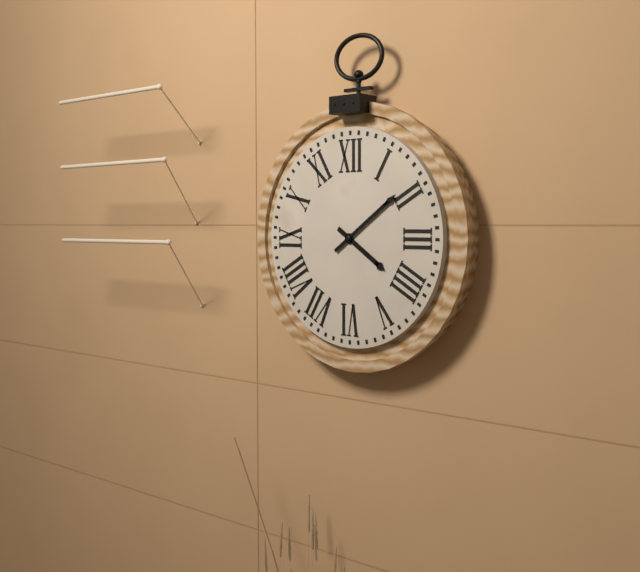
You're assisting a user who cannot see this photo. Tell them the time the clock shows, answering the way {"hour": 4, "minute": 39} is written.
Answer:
{"hour": 4, "minute": 9}
